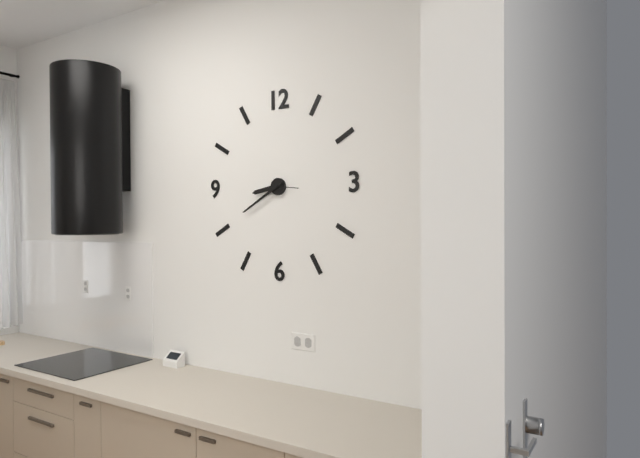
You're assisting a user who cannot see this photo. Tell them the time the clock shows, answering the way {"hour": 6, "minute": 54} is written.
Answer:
{"hour": 8, "minute": 40}
